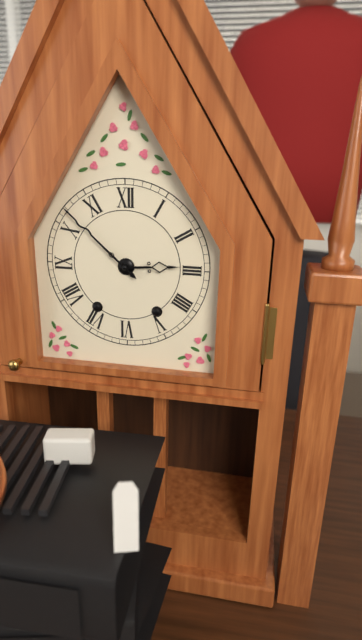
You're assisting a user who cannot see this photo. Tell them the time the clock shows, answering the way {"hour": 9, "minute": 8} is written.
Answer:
{"hour": 2, "minute": 52}
